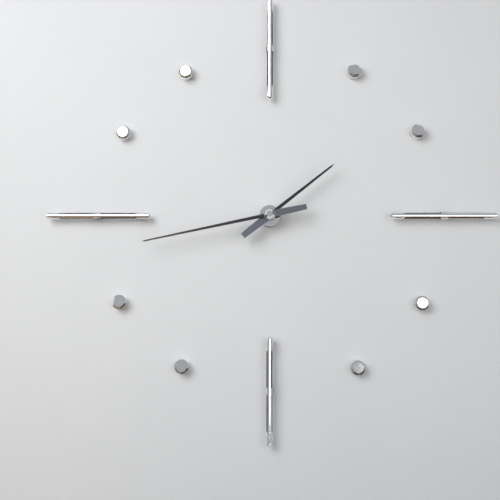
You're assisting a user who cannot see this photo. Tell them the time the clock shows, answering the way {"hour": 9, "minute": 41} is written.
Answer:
{"hour": 1, "minute": 43}
